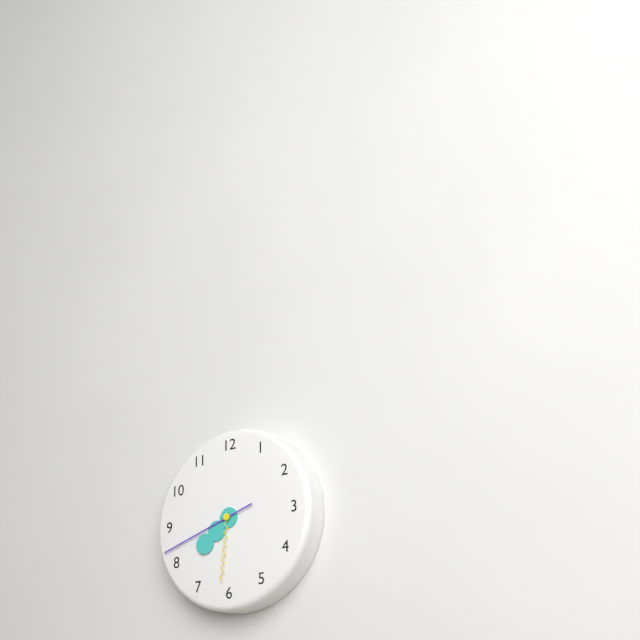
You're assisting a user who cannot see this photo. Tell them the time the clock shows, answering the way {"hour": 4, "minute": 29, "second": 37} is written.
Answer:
{"hour": 7, "minute": 42, "second": 31}
